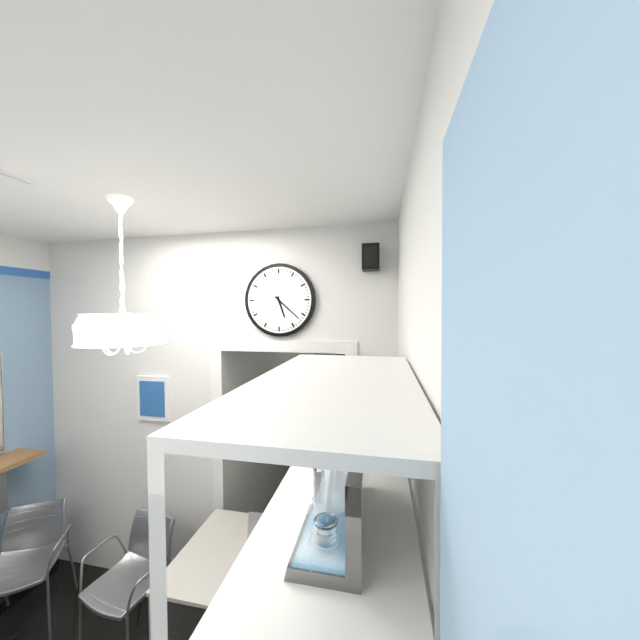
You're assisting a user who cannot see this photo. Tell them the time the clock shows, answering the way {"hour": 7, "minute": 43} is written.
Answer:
{"hour": 5, "minute": 22}
